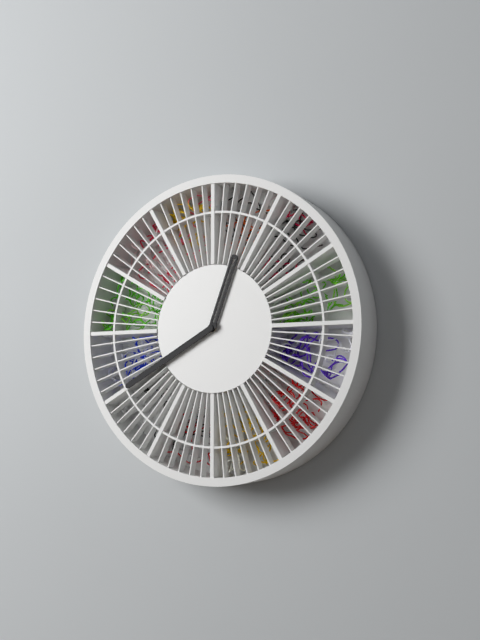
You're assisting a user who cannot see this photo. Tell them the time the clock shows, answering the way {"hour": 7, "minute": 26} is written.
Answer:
{"hour": 12, "minute": 40}
